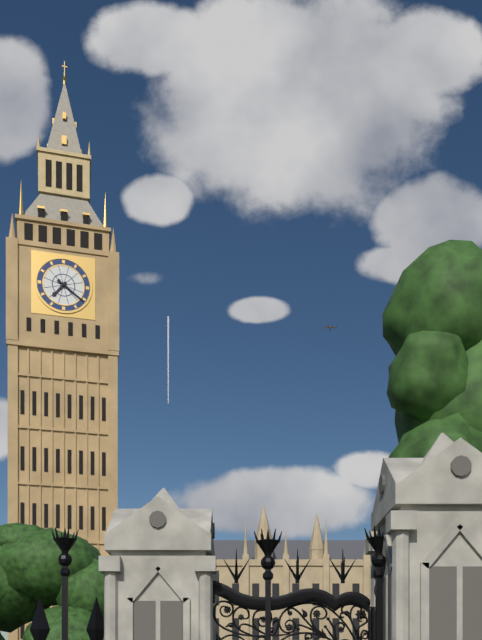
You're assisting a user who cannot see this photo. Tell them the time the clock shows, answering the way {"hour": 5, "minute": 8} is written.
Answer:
{"hour": 7, "minute": 21}
